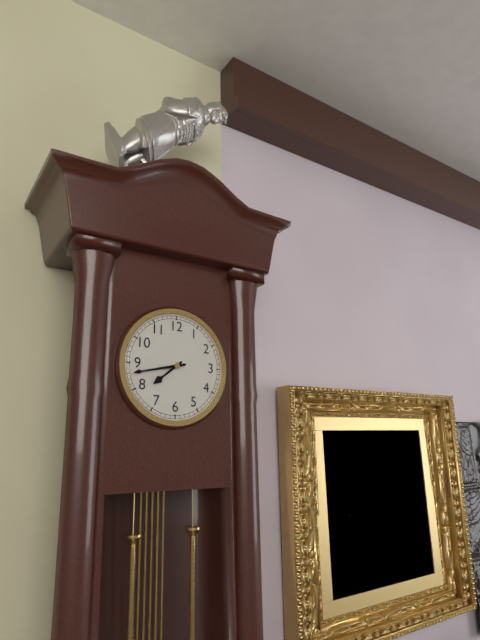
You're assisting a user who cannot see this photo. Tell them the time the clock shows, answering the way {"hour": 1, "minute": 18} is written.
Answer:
{"hour": 7, "minute": 43}
